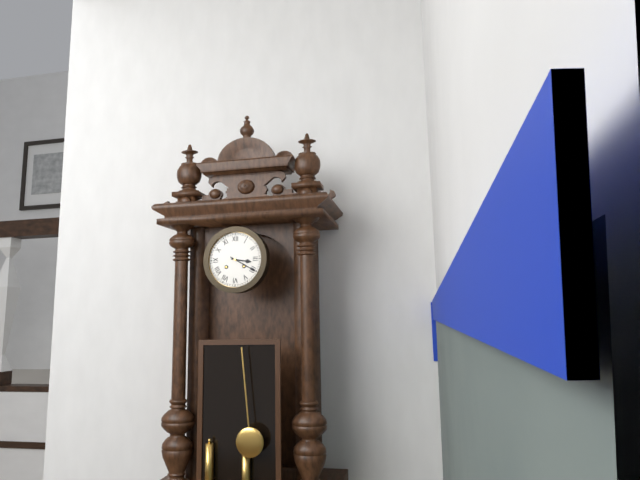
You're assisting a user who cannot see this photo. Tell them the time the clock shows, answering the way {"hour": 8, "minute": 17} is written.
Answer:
{"hour": 3, "minute": 20}
